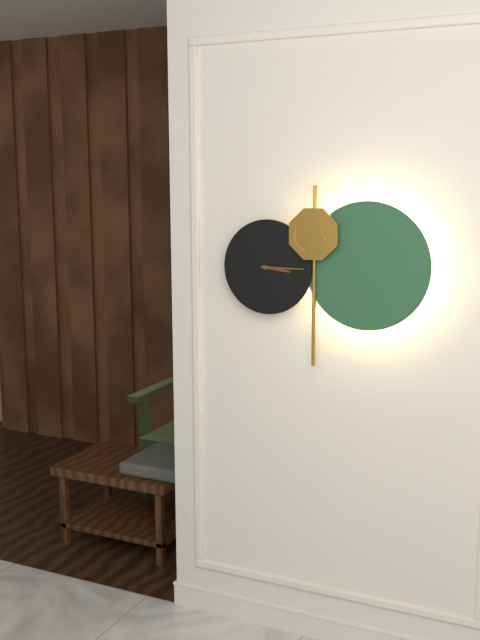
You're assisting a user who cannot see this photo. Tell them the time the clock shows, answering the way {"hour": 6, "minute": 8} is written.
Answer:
{"hour": 3, "minute": 15}
